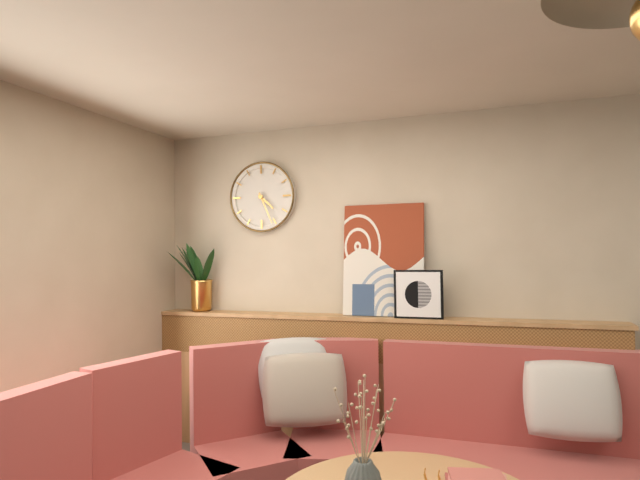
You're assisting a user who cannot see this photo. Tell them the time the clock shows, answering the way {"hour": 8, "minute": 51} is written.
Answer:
{"hour": 4, "minute": 26}
